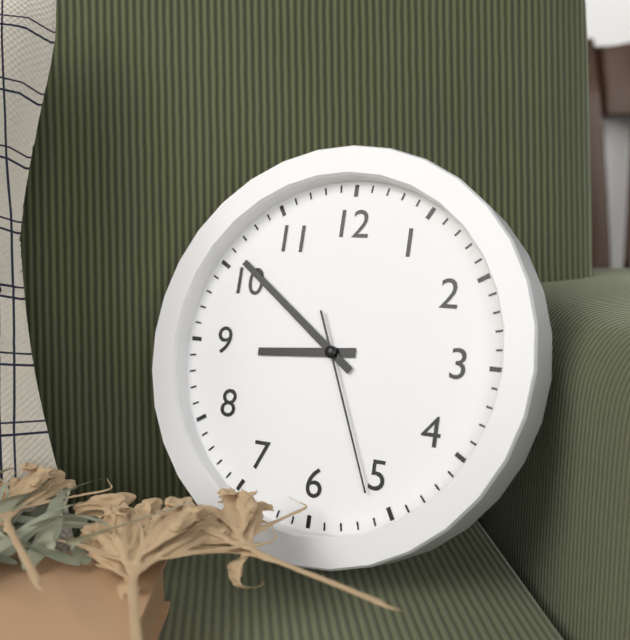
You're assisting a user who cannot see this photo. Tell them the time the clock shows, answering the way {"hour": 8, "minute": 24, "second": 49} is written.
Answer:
{"hour": 8, "minute": 51, "second": 26}
